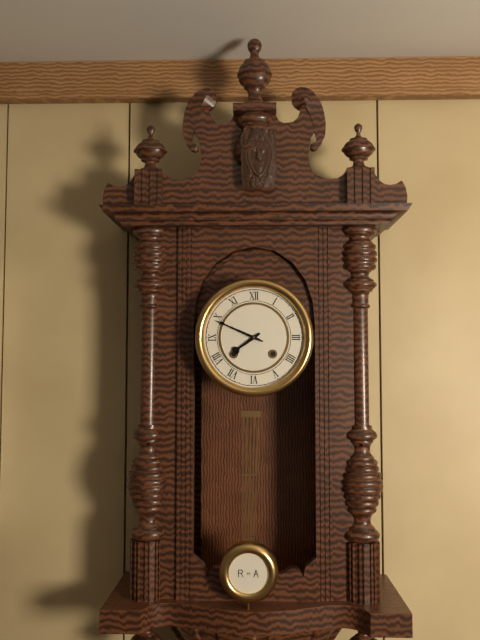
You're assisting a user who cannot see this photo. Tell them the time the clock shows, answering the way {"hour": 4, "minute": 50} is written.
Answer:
{"hour": 7, "minute": 49}
